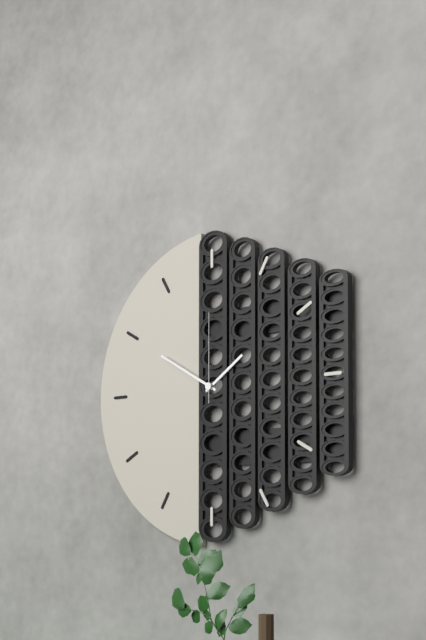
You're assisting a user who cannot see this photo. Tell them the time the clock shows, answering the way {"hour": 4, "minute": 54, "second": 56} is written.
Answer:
{"hour": 1, "minute": 50, "second": 0}
